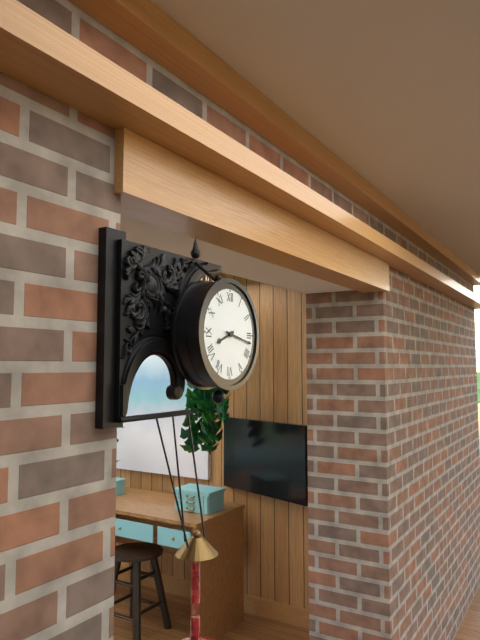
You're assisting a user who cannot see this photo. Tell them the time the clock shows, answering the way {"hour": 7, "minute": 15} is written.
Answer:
{"hour": 8, "minute": 17}
